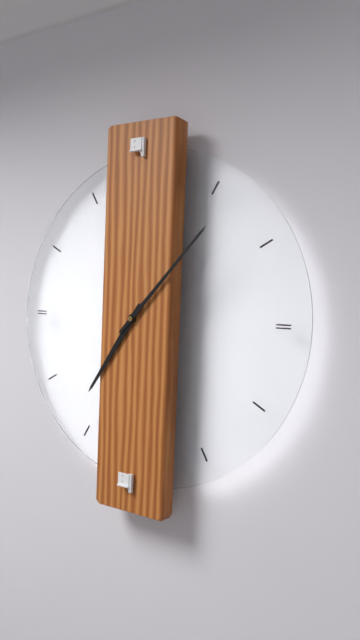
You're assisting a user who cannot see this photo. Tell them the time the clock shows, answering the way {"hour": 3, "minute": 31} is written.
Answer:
{"hour": 7, "minute": 7}
